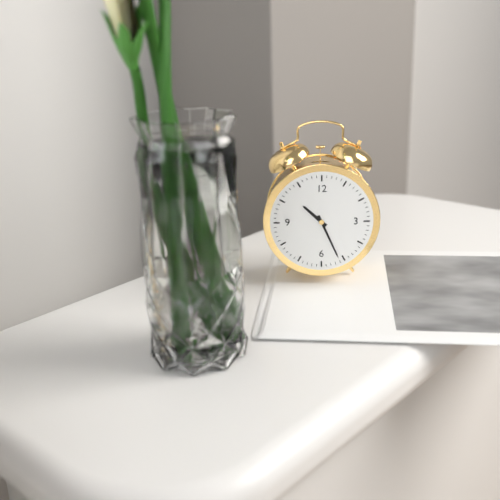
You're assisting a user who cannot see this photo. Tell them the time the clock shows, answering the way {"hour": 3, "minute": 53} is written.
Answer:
{"hour": 10, "minute": 26}
